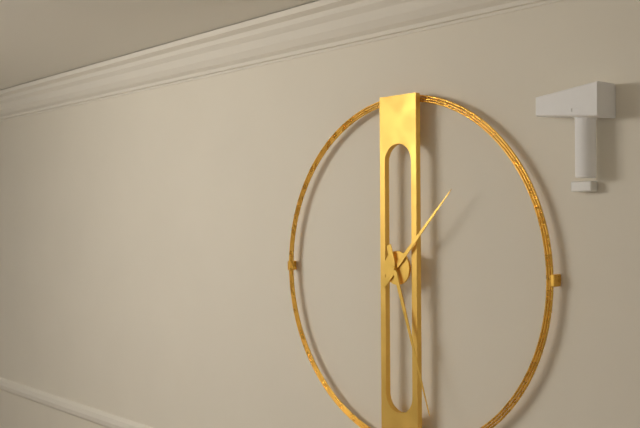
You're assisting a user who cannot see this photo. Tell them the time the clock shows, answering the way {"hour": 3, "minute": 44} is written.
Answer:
{"hour": 1, "minute": 27}
